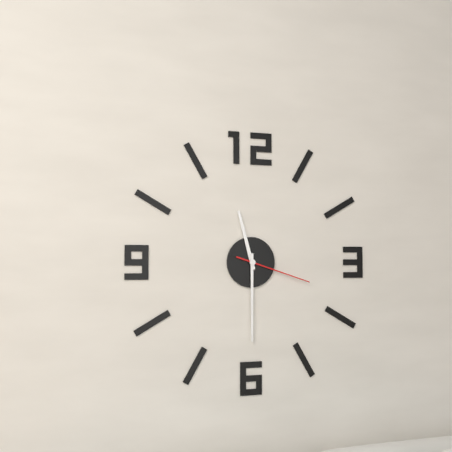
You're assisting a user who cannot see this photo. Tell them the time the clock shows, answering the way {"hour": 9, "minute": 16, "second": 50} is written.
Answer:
{"hour": 11, "minute": 30, "second": 18}
